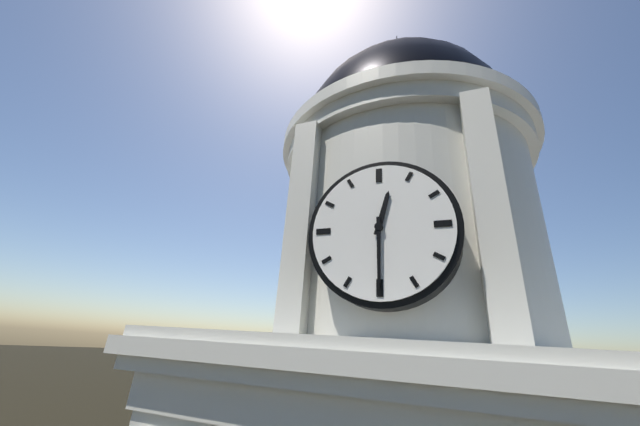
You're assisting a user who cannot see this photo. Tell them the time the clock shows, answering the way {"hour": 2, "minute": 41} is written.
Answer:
{"hour": 12, "minute": 30}
